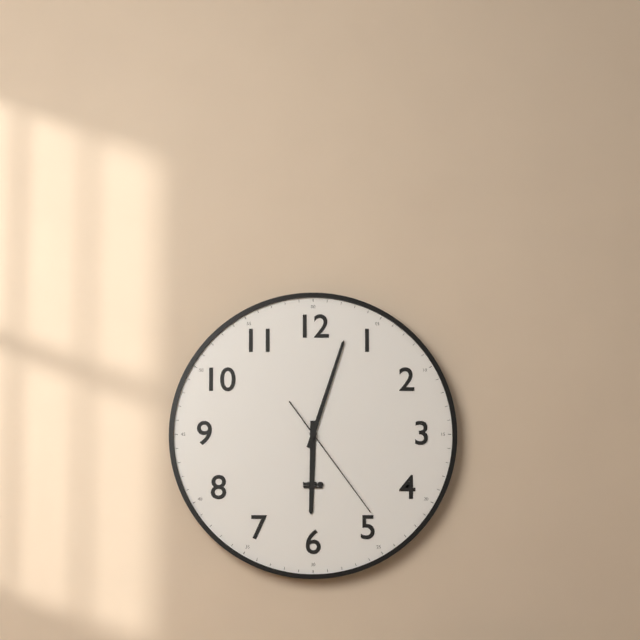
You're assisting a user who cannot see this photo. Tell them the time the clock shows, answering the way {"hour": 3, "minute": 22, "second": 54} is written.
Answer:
{"hour": 6, "minute": 3, "second": 24}
